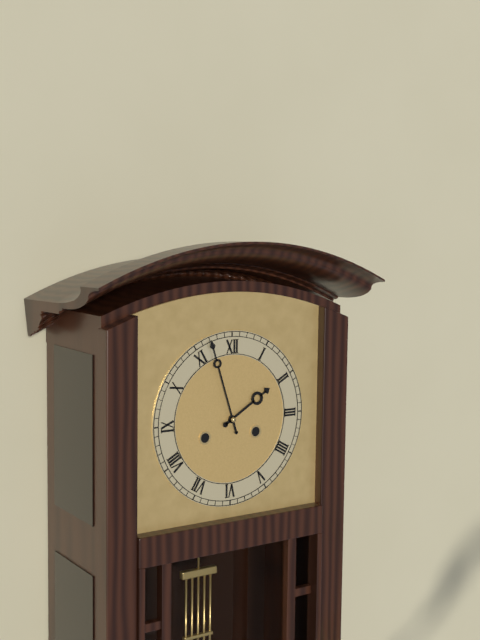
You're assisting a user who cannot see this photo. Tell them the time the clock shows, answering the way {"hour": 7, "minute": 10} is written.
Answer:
{"hour": 1, "minute": 57}
